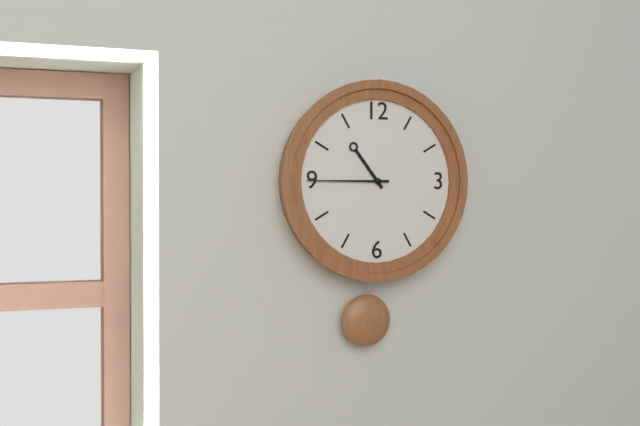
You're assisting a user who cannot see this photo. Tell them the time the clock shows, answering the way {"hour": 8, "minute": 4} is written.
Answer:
{"hour": 10, "minute": 45}
